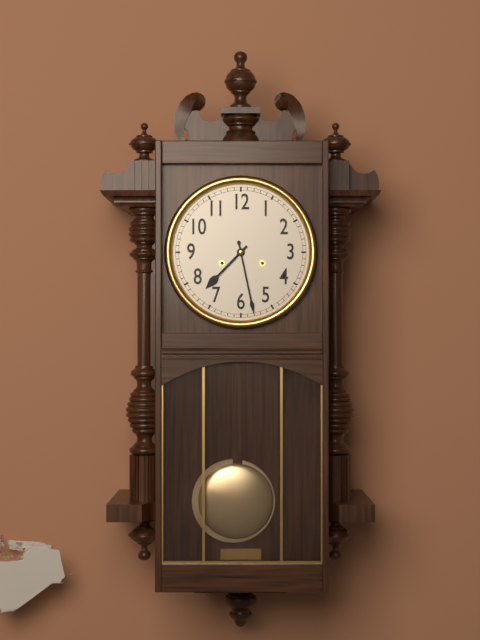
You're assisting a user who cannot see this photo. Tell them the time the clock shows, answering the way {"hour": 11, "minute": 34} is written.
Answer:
{"hour": 7, "minute": 28}
